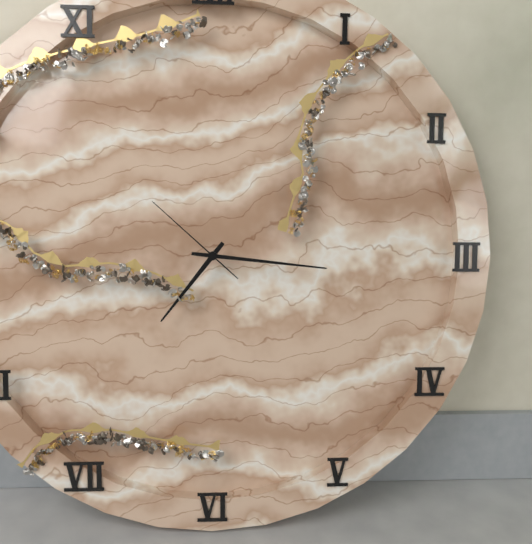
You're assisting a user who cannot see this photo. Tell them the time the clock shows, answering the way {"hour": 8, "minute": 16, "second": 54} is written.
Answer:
{"hour": 7, "minute": 16, "second": 52}
